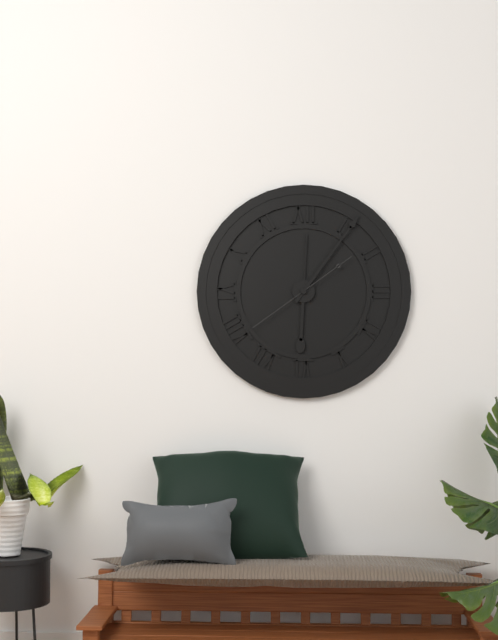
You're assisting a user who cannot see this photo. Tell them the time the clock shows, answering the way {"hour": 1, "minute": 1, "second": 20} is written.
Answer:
{"hour": 6, "minute": 6, "second": 39}
